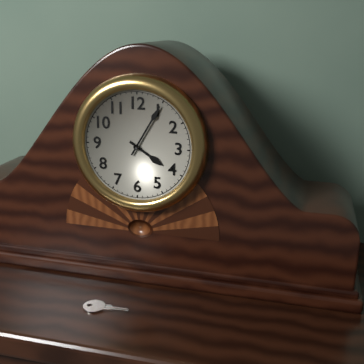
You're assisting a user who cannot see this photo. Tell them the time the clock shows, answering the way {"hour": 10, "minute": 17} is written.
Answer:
{"hour": 4, "minute": 5}
